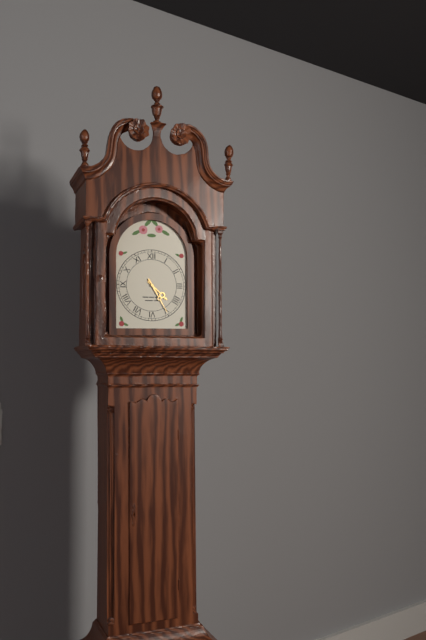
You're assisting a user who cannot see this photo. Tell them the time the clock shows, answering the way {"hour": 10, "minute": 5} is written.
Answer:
{"hour": 4, "minute": 25}
